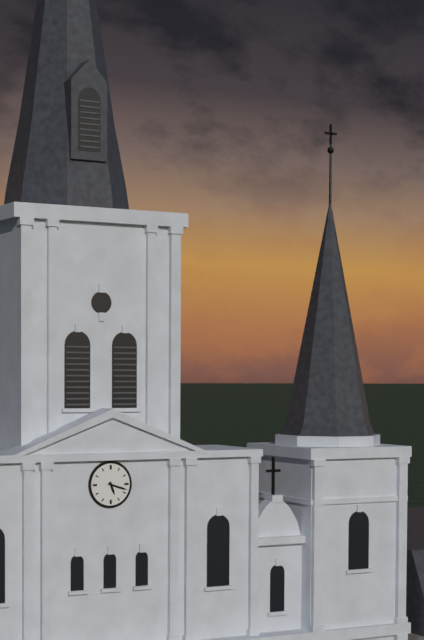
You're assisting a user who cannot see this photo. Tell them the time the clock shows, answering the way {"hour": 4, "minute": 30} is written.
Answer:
{"hour": 5, "minute": 18}
